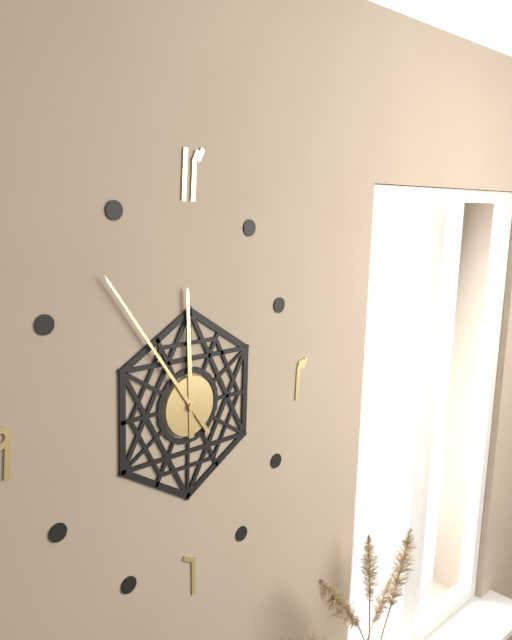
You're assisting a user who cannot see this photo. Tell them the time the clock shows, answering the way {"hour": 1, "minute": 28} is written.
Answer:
{"hour": 11, "minute": 54}
